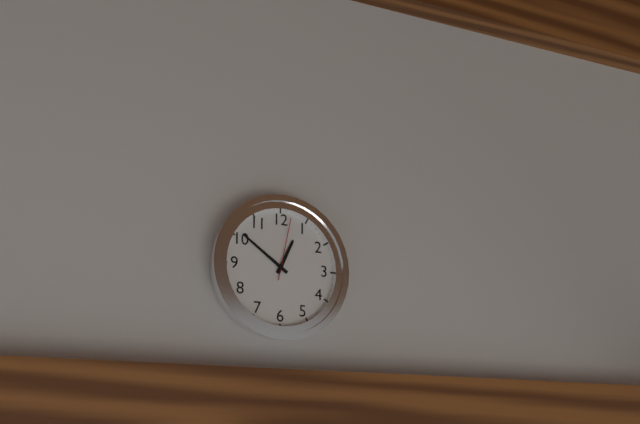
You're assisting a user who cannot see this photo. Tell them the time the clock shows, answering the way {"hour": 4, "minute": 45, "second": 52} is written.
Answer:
{"hour": 12, "minute": 51, "second": 2}
